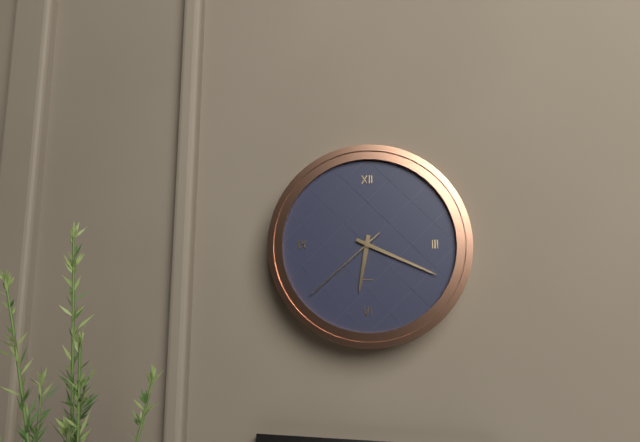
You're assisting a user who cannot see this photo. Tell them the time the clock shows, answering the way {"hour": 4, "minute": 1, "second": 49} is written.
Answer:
{"hour": 6, "minute": 19, "second": 38}
